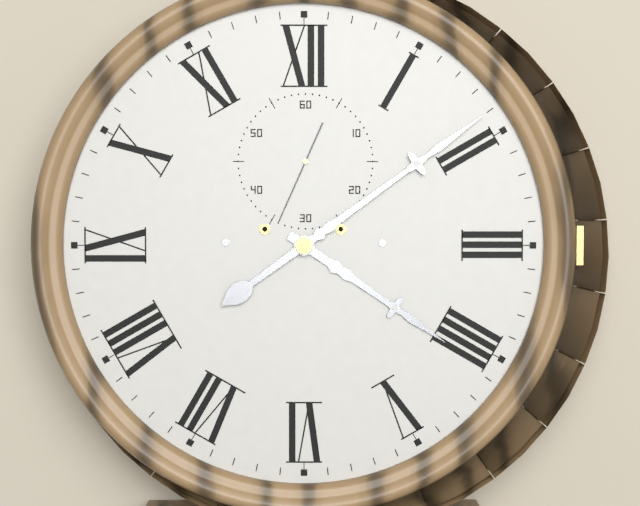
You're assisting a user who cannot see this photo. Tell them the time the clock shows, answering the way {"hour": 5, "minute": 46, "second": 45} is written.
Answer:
{"hour": 4, "minute": 9, "second": 34}
